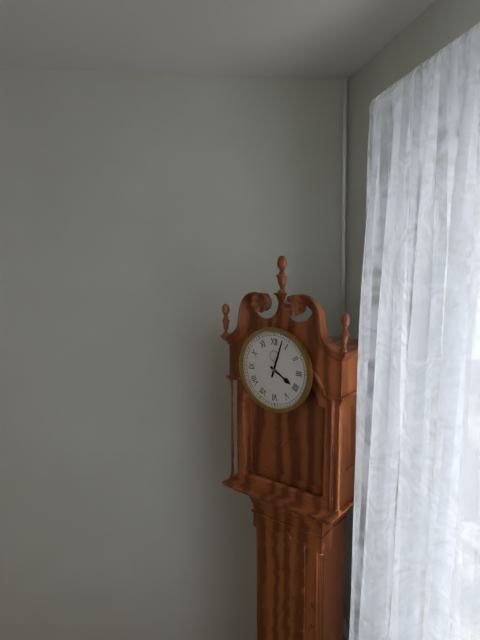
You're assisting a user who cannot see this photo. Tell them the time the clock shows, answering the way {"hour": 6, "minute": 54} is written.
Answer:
{"hour": 4, "minute": 3}
